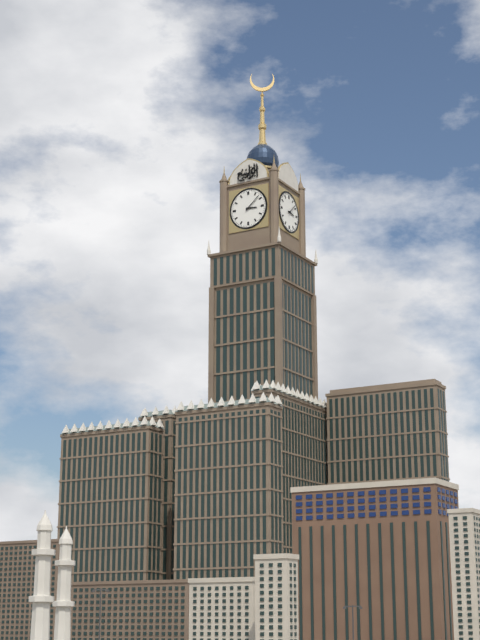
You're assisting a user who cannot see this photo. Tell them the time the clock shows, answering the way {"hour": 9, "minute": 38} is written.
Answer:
{"hour": 3, "minute": 8}
